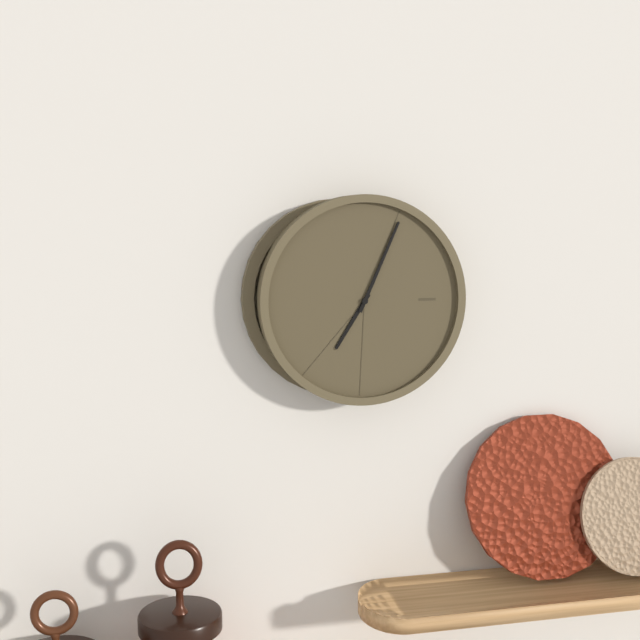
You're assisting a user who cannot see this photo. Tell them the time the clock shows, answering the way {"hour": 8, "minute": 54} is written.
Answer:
{"hour": 7, "minute": 4}
